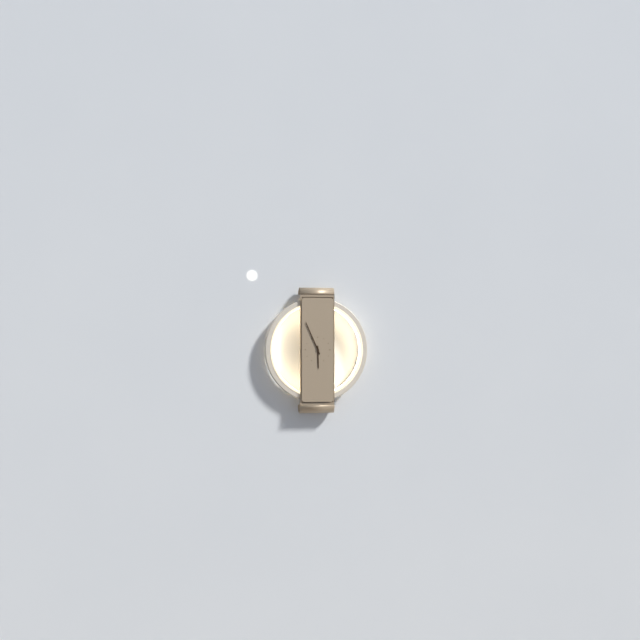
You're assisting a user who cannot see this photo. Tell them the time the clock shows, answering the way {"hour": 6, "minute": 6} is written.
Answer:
{"hour": 5, "minute": 56}
